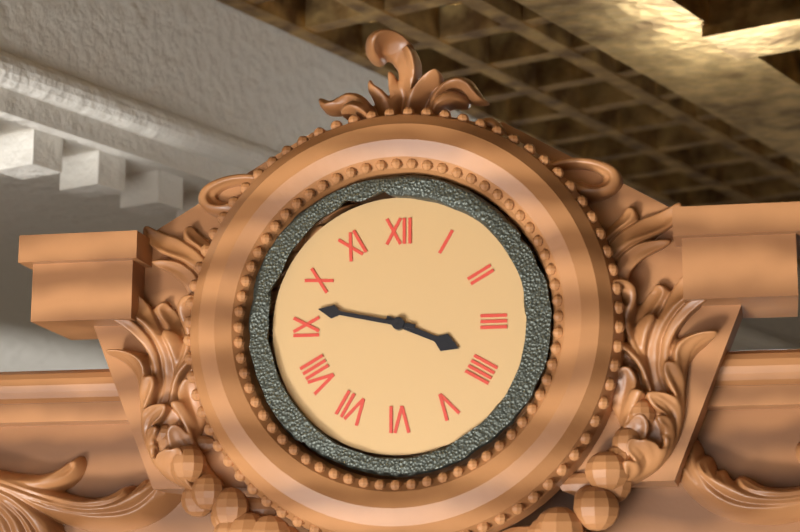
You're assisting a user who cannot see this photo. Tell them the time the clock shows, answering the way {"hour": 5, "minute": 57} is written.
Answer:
{"hour": 3, "minute": 47}
